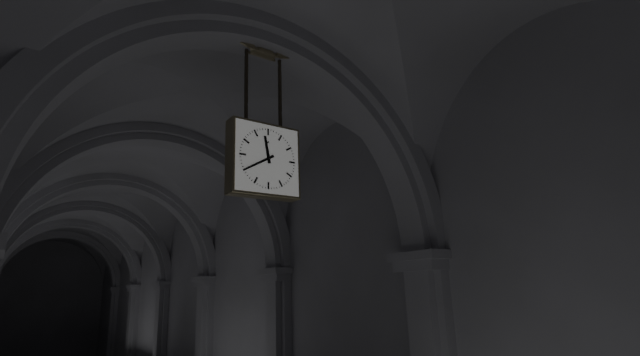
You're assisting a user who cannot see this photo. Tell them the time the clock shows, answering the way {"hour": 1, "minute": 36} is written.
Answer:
{"hour": 11, "minute": 40}
